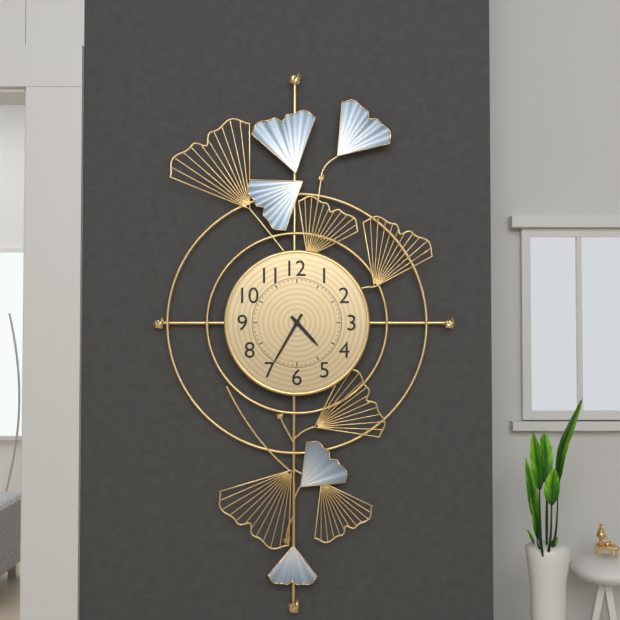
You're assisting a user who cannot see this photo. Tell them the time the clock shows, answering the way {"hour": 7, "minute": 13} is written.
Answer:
{"hour": 4, "minute": 35}
